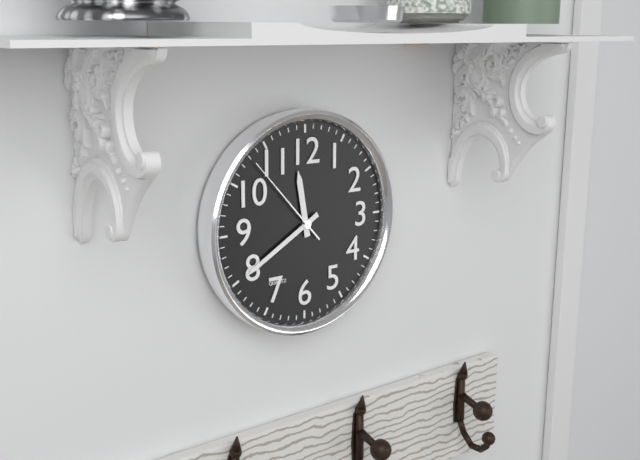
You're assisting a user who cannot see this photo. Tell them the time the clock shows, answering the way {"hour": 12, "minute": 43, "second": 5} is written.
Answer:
{"hour": 11, "minute": 40, "second": 53}
